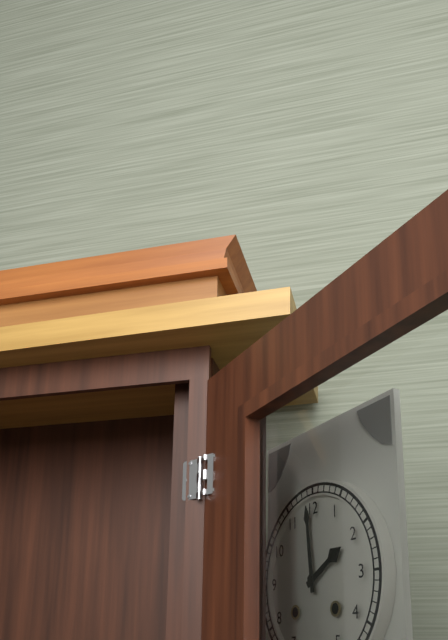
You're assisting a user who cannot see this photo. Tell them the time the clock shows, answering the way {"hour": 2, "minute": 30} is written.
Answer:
{"hour": 1, "minute": 59}
